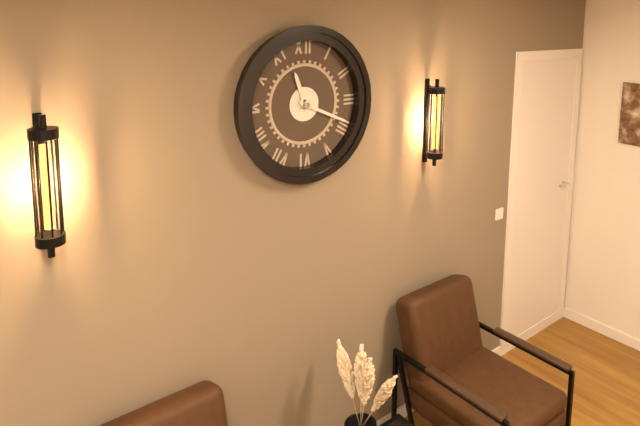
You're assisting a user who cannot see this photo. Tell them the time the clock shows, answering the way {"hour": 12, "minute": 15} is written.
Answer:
{"hour": 11, "minute": 19}
